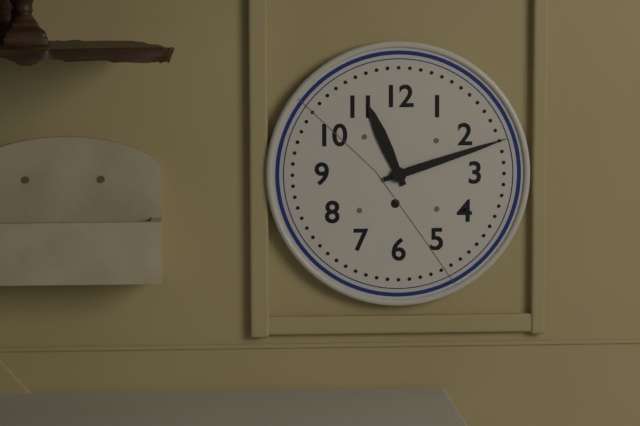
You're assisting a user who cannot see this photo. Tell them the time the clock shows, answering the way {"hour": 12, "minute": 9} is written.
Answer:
{"hour": 11, "minute": 12}
